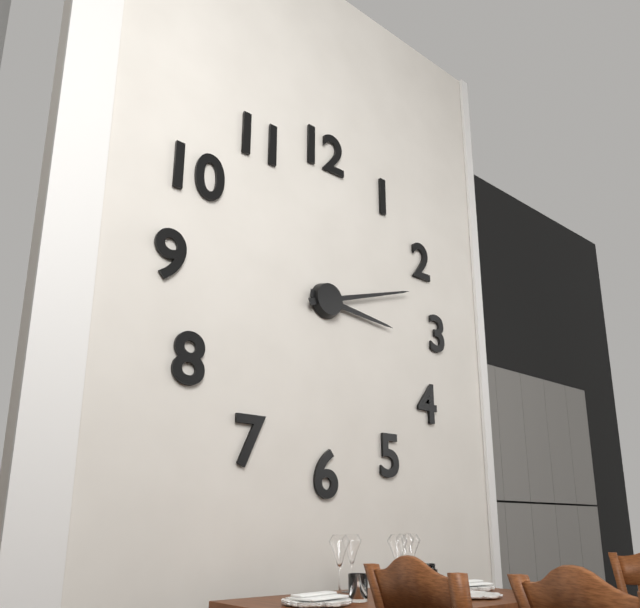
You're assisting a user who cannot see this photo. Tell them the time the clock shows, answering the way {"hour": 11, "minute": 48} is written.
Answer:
{"hour": 3, "minute": 12}
